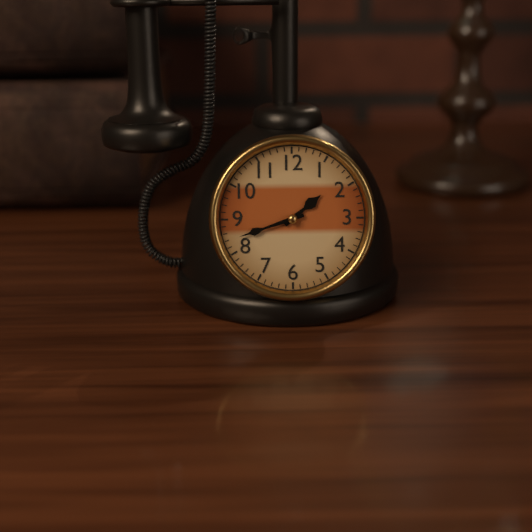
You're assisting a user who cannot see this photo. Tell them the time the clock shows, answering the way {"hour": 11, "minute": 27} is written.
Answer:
{"hour": 1, "minute": 42}
